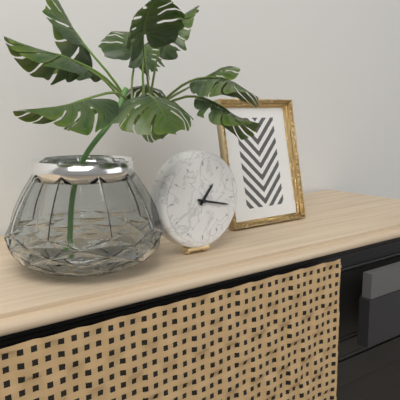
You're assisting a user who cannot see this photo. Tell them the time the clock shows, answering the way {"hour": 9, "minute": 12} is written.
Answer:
{"hour": 1, "minute": 17}
